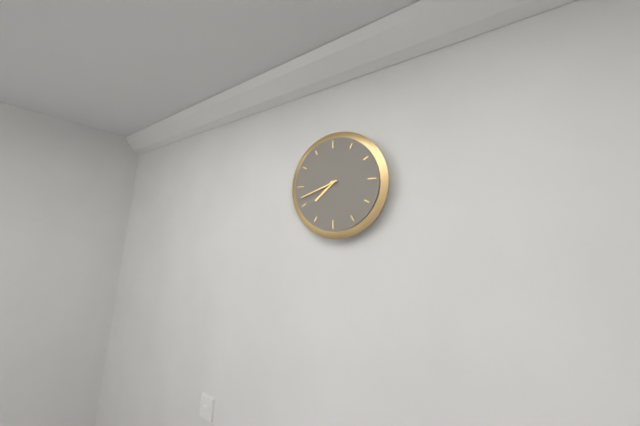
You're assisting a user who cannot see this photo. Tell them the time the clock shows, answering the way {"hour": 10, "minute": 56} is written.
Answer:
{"hour": 7, "minute": 42}
